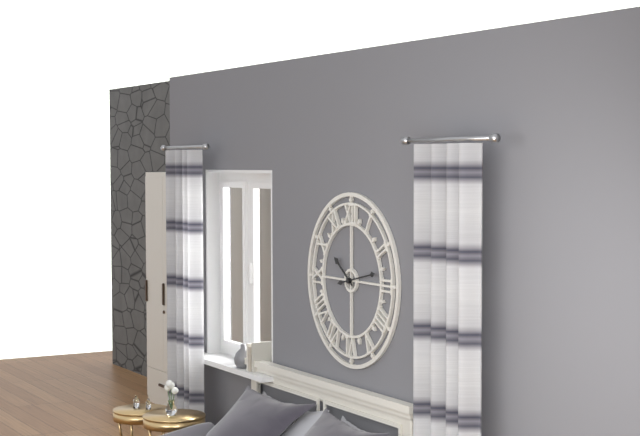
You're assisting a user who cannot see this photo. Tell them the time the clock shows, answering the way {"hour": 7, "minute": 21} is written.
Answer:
{"hour": 10, "minute": 13}
